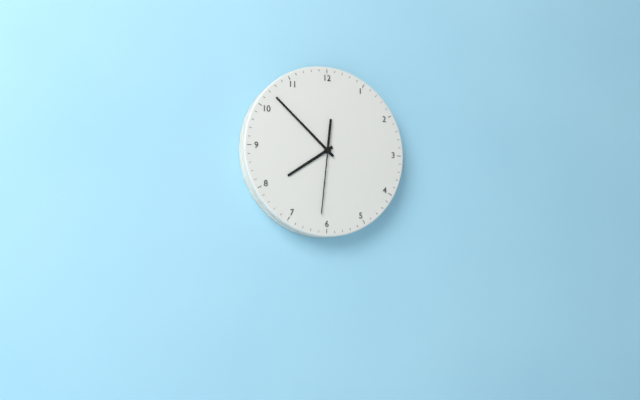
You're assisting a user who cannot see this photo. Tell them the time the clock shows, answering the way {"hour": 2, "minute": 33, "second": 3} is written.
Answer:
{"hour": 7, "minute": 52, "second": 31}
